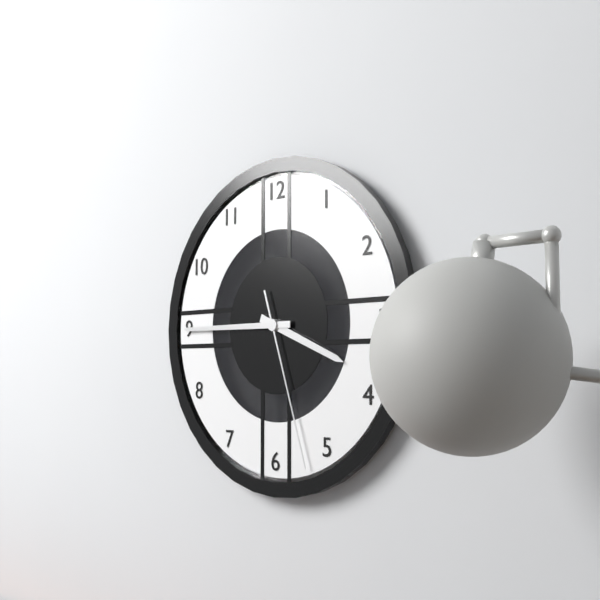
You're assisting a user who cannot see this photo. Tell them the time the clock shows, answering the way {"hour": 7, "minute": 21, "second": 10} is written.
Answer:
{"hour": 3, "minute": 45, "second": 27}
